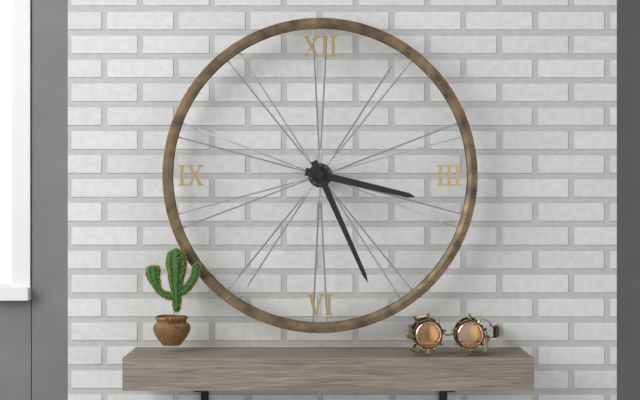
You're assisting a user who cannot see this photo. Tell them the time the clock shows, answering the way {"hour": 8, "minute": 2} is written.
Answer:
{"hour": 3, "minute": 26}
